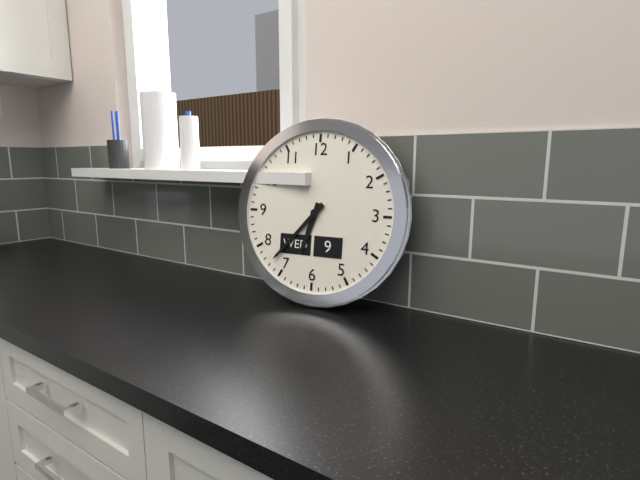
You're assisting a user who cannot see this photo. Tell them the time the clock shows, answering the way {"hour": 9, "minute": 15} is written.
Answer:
{"hour": 6, "minute": 37}
